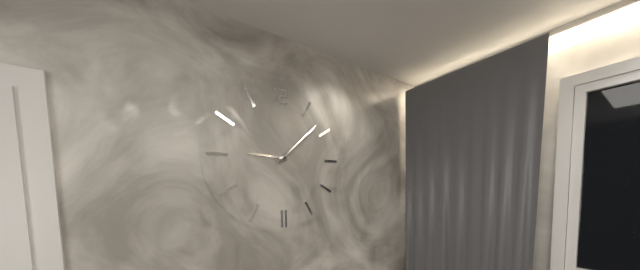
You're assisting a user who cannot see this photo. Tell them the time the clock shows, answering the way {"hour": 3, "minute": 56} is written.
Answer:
{"hour": 9, "minute": 8}
